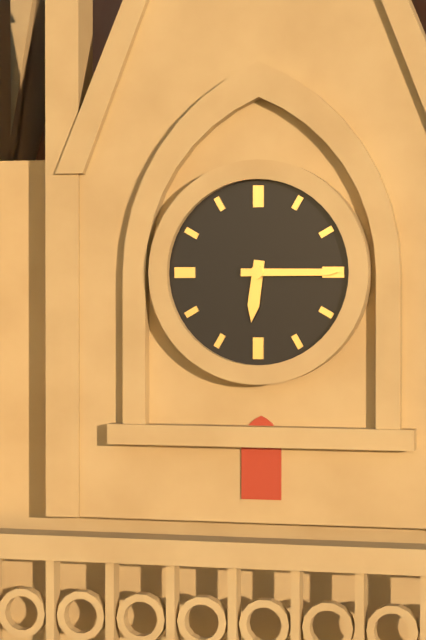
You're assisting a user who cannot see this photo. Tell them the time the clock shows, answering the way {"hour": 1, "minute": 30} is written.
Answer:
{"hour": 6, "minute": 15}
